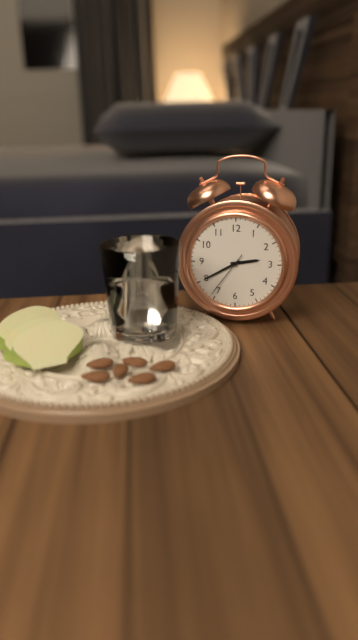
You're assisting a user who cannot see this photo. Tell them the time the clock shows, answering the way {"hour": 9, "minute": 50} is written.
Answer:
{"hour": 2, "minute": 40}
